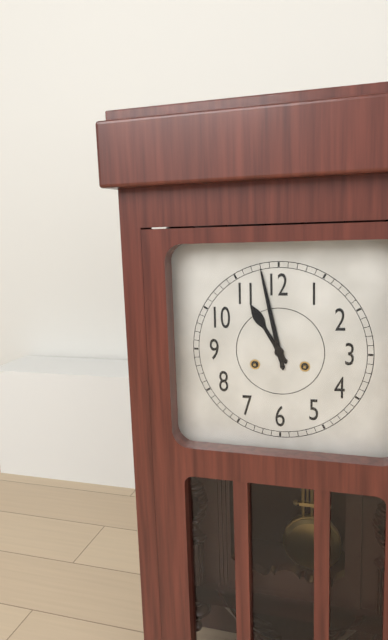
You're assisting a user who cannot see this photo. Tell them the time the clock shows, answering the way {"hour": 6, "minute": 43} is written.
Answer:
{"hour": 10, "minute": 58}
